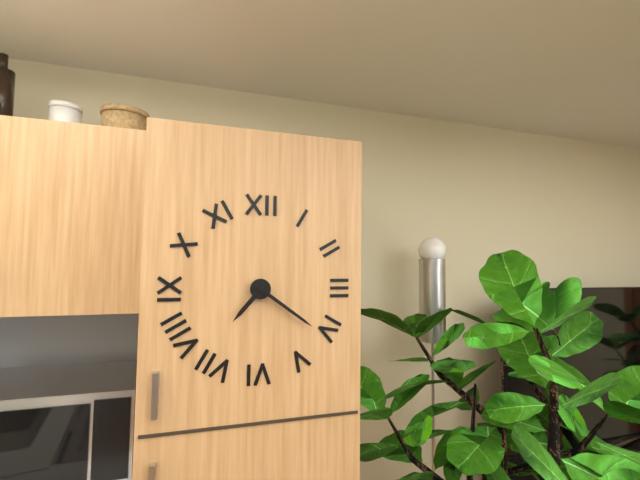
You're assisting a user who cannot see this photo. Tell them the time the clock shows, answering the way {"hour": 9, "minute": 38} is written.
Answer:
{"hour": 7, "minute": 21}
